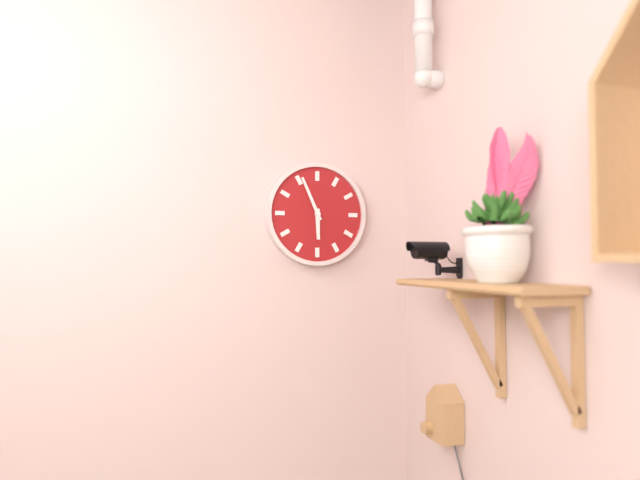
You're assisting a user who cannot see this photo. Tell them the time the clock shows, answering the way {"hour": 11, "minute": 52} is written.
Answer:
{"hour": 5, "minute": 56}
